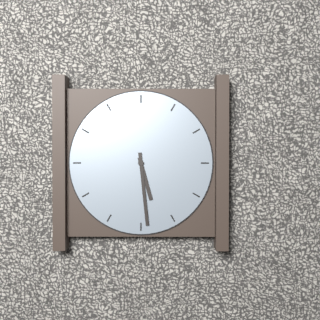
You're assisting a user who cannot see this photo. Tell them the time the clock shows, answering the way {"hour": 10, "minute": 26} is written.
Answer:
{"hour": 5, "minute": 29}
